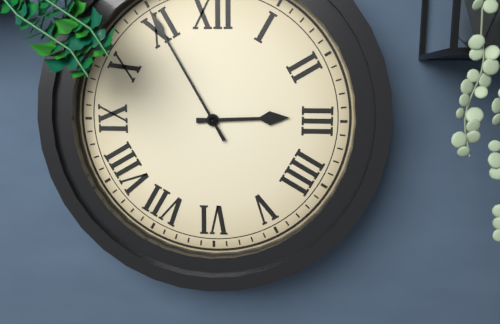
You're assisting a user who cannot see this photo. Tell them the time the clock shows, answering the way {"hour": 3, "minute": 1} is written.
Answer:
{"hour": 2, "minute": 55}
